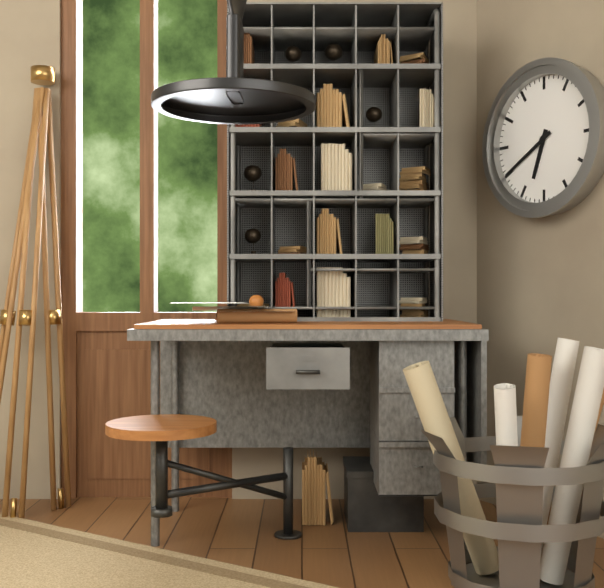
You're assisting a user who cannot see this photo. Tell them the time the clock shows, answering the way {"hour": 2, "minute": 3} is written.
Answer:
{"hour": 6, "minute": 40}
